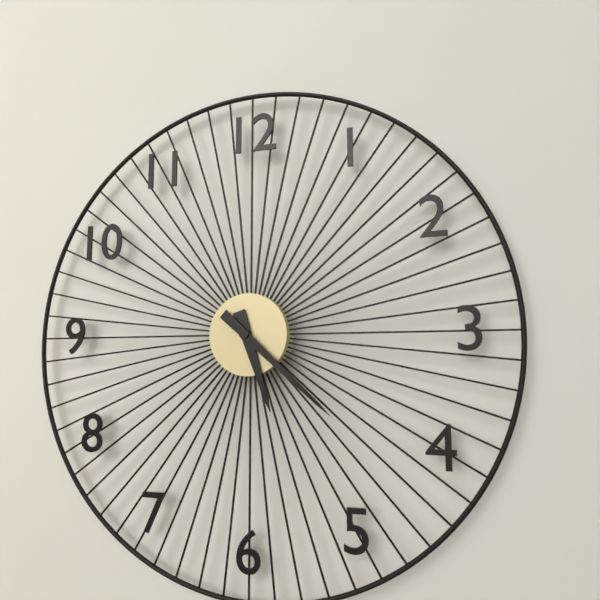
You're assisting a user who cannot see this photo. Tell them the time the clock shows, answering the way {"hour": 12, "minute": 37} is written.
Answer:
{"hour": 5, "minute": 22}
